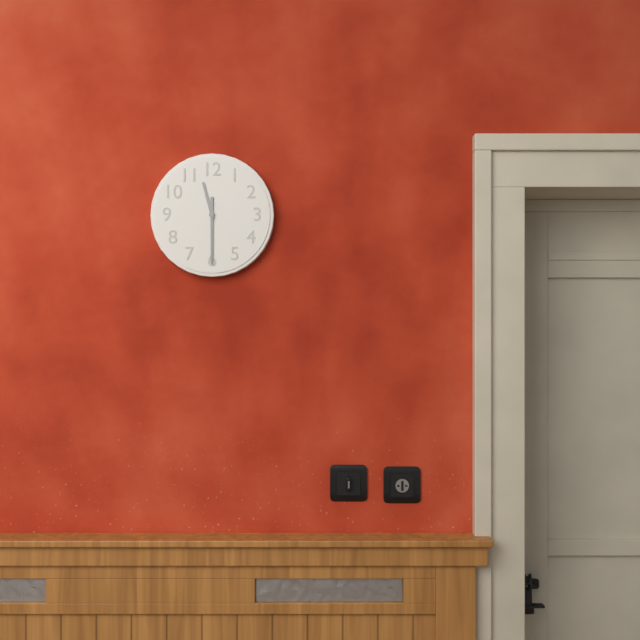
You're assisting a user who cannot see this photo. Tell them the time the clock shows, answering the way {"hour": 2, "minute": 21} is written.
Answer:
{"hour": 11, "minute": 30}
